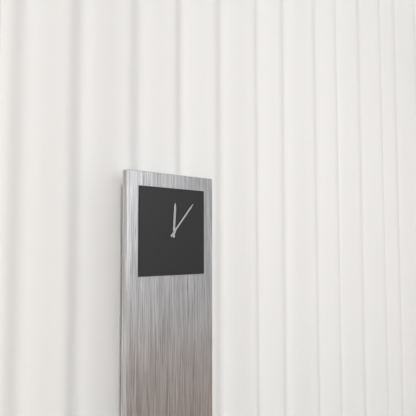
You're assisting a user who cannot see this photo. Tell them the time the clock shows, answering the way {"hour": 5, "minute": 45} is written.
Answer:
{"hour": 12, "minute": 7}
